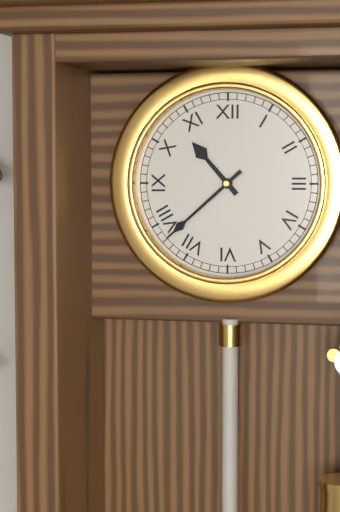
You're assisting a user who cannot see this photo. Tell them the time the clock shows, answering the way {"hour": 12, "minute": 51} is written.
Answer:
{"hour": 10, "minute": 38}
